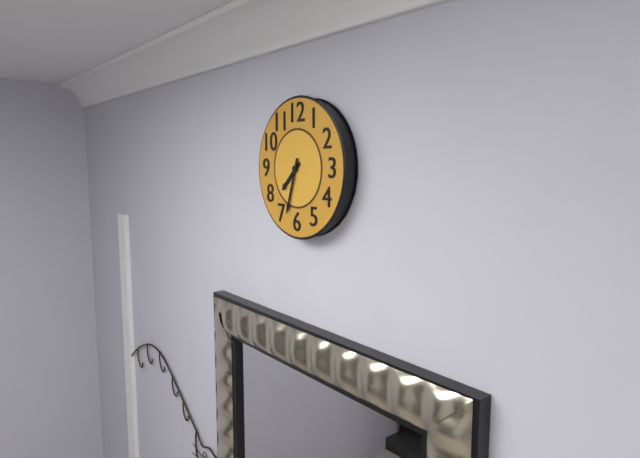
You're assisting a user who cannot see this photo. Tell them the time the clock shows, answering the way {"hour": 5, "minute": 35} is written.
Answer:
{"hour": 7, "minute": 33}
